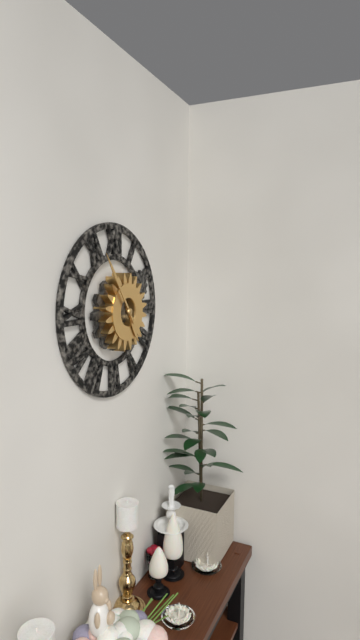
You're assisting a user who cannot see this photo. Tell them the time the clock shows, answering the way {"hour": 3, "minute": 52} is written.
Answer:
{"hour": 4, "minute": 54}
